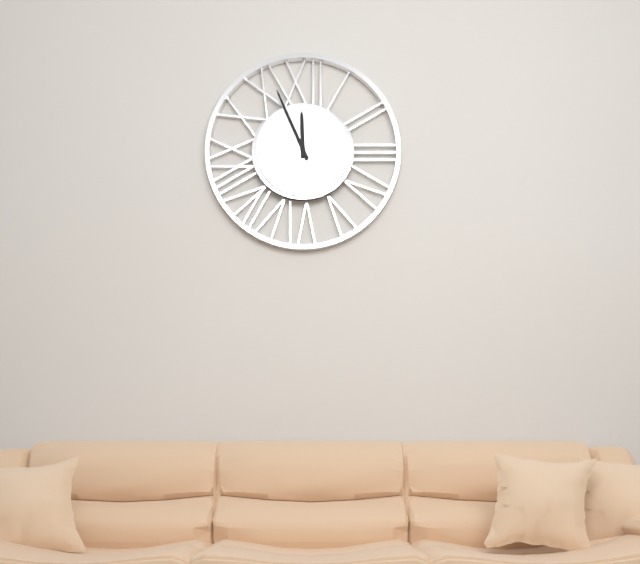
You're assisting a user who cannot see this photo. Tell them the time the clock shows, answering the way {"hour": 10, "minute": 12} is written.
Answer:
{"hour": 11, "minute": 56}
